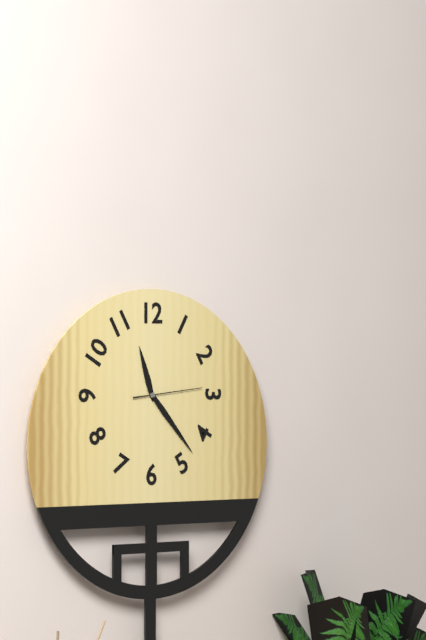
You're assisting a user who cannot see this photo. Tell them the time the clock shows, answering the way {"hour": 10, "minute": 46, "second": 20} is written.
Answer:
{"hour": 11, "minute": 23, "second": 14}
